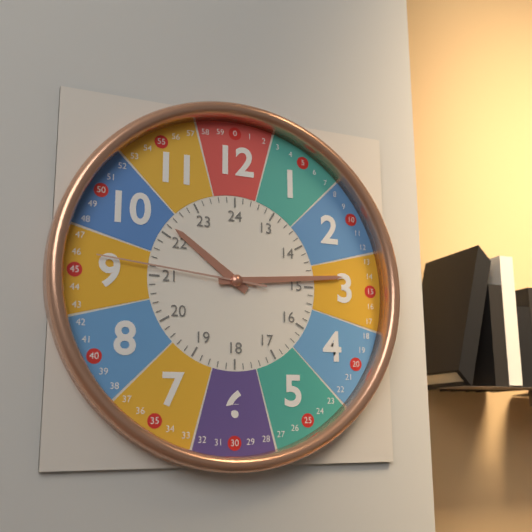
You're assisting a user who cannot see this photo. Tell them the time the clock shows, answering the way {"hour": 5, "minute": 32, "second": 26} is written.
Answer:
{"hour": 10, "minute": 14, "second": 46}
